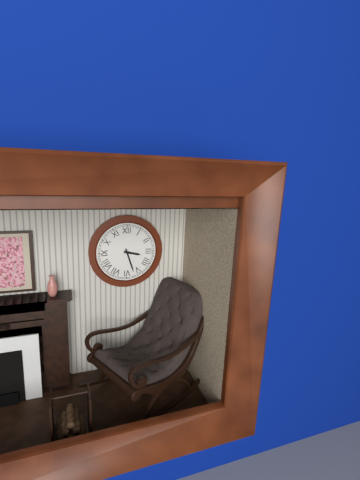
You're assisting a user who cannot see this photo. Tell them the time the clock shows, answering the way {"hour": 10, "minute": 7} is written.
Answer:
{"hour": 3, "minute": 27}
